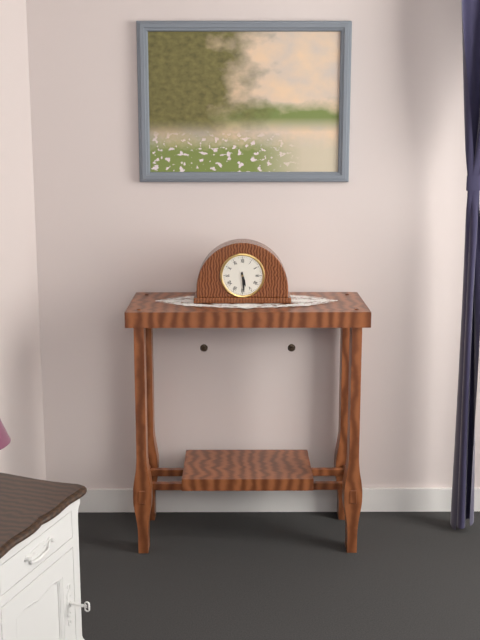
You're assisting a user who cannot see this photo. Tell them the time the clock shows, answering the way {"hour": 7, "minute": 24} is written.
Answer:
{"hour": 5, "minute": 29}
